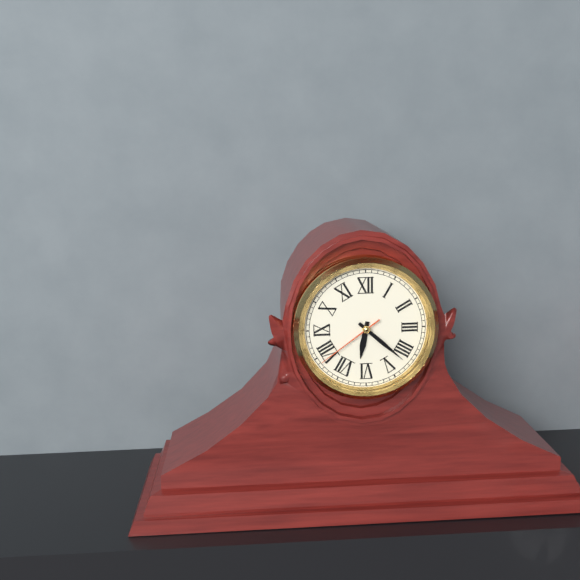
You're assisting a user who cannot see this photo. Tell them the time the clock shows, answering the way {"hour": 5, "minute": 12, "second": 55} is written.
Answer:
{"hour": 6, "minute": 22, "second": 39}
